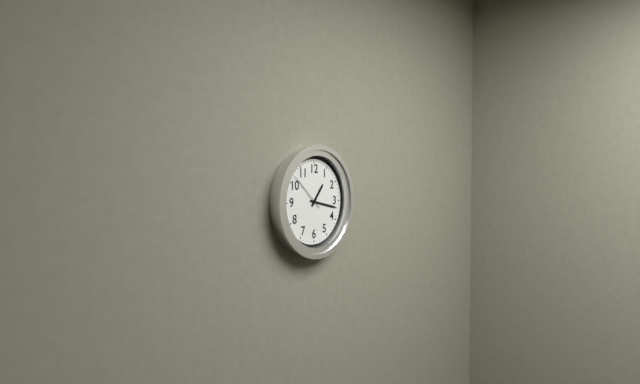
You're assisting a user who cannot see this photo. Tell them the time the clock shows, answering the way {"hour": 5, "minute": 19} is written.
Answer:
{"hour": 1, "minute": 17}
